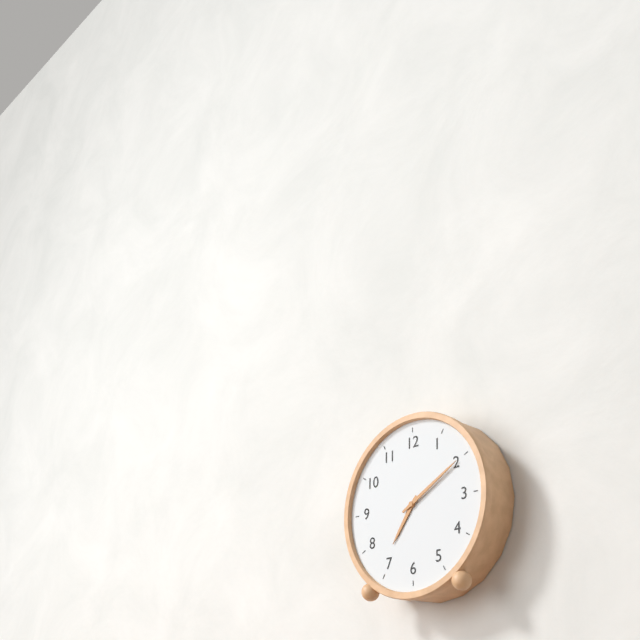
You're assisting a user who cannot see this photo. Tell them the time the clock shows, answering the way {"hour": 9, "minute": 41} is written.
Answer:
{"hour": 7, "minute": 10}
